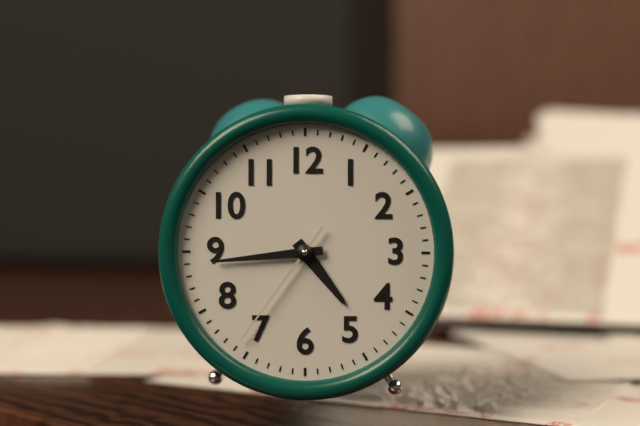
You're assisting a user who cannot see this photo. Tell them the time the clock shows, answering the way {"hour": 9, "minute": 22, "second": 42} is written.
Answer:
{"hour": 4, "minute": 44, "second": 36}
